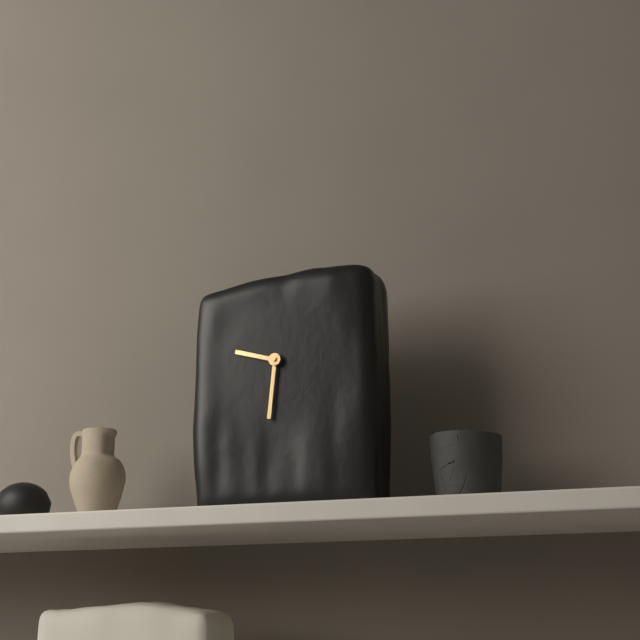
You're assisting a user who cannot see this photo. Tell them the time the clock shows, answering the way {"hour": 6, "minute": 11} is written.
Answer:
{"hour": 9, "minute": 31}
